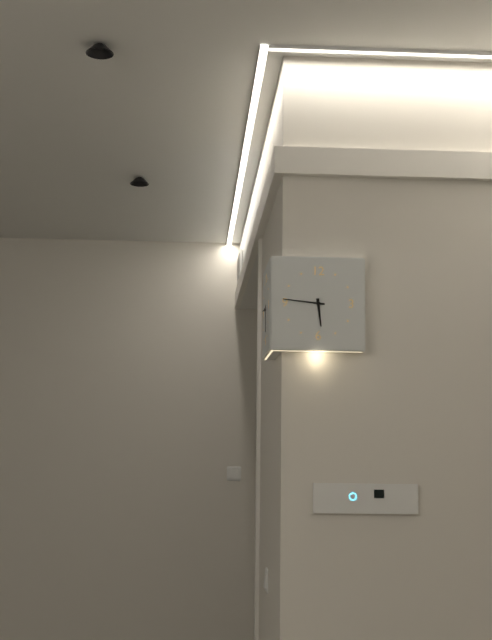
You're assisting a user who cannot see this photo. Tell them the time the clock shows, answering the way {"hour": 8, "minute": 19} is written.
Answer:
{"hour": 5, "minute": 46}
